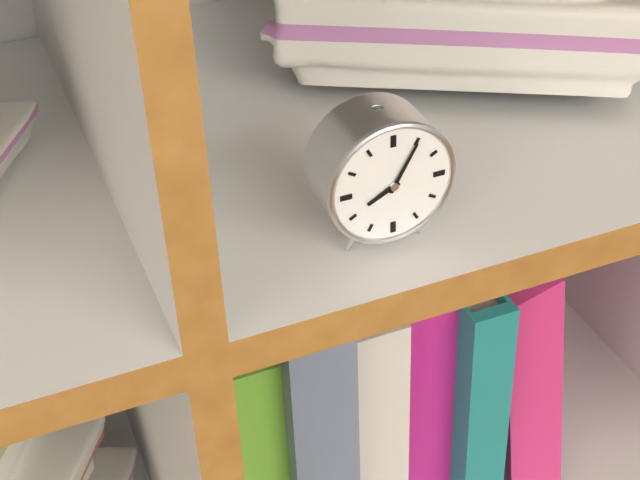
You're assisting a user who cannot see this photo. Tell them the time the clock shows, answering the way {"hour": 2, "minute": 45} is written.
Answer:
{"hour": 8, "minute": 5}
